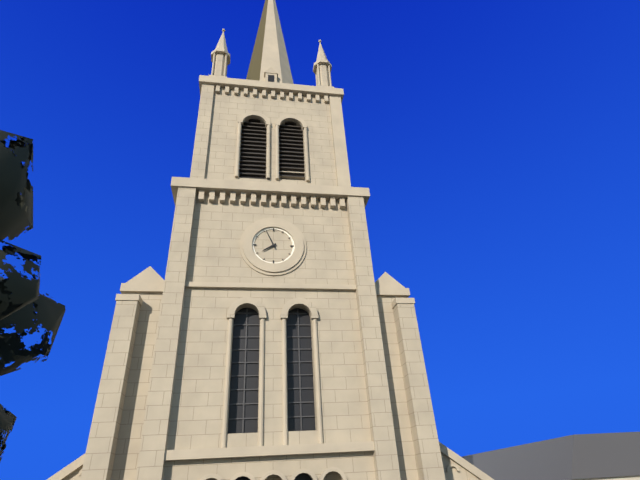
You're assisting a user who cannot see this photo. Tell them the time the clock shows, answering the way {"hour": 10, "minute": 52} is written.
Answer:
{"hour": 7, "minute": 56}
